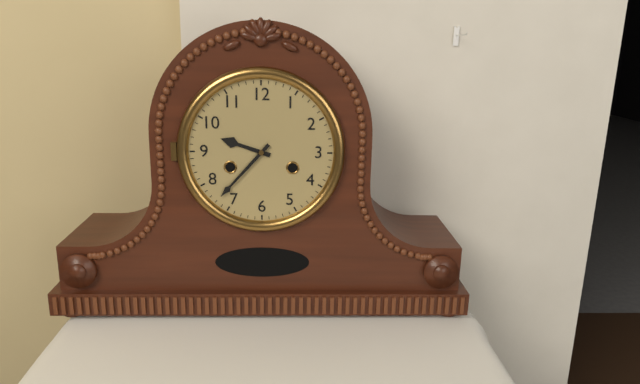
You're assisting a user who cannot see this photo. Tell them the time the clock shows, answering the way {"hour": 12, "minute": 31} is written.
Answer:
{"hour": 9, "minute": 37}
